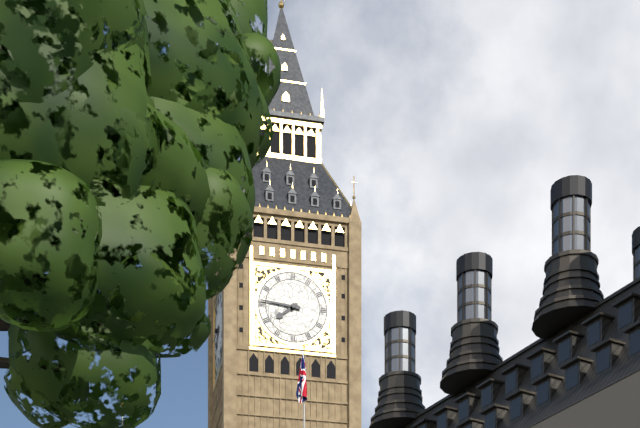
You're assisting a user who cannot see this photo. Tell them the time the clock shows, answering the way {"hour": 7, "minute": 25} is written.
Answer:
{"hour": 7, "minute": 46}
